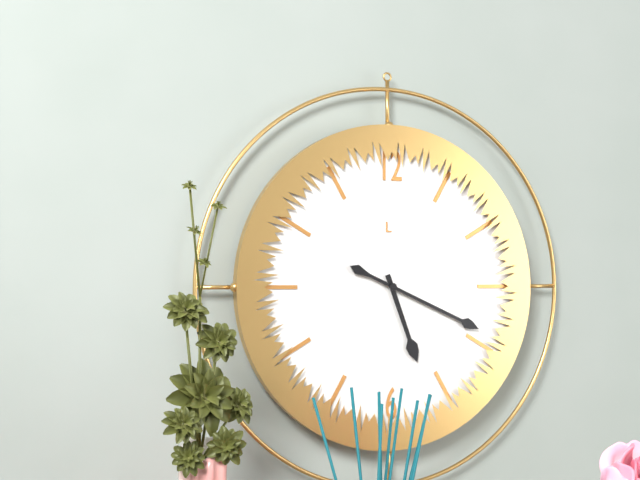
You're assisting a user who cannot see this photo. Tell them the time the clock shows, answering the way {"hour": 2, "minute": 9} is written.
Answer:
{"hour": 5, "minute": 19}
